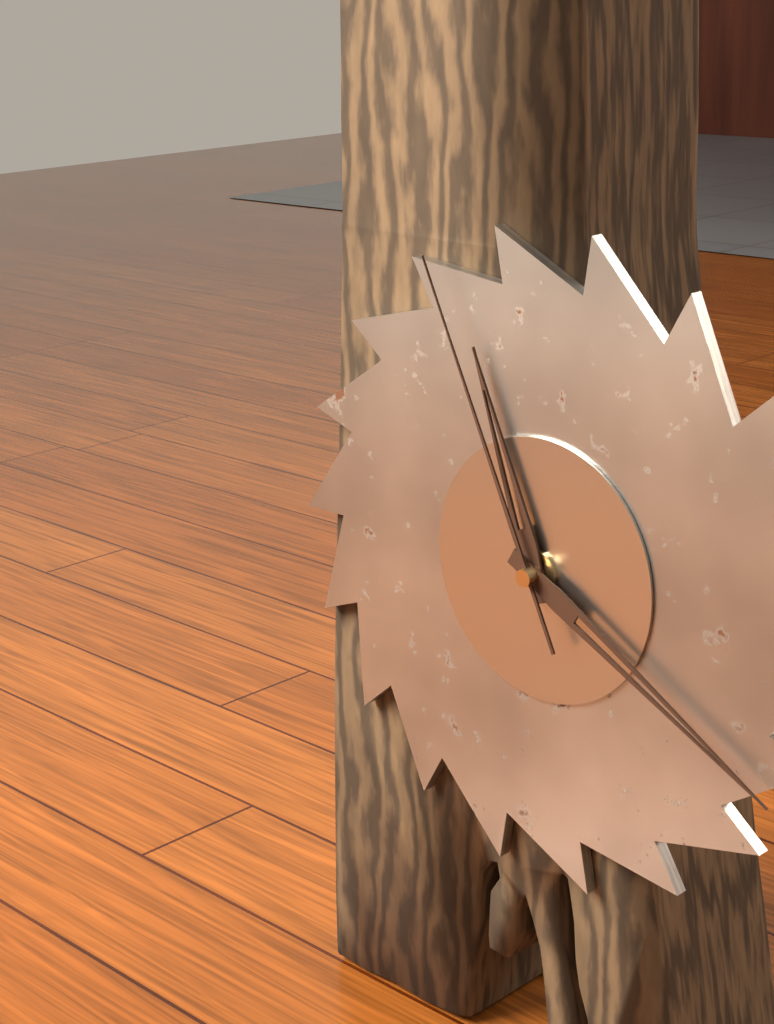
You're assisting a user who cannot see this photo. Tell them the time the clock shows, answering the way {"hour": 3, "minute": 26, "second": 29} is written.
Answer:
{"hour": 11, "minute": 20, "second": 56}
